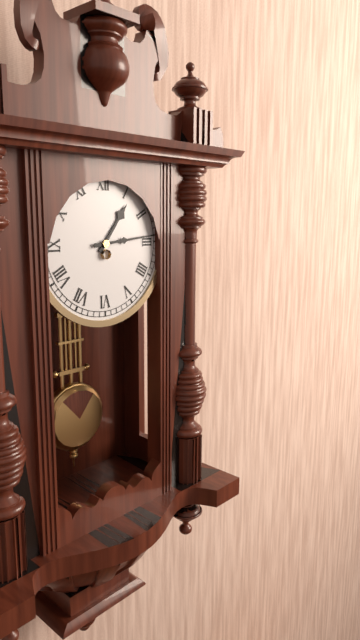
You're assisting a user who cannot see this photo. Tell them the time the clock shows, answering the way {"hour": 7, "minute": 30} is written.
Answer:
{"hour": 1, "minute": 14}
